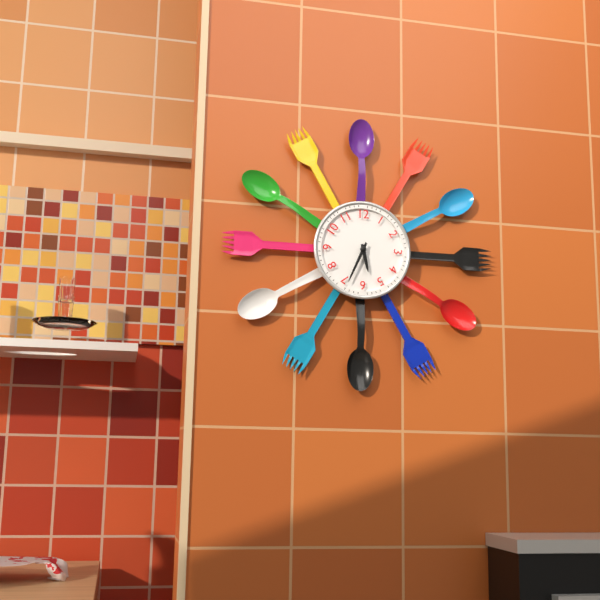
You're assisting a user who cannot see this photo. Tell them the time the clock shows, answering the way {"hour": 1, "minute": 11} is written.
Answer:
{"hour": 5, "minute": 34}
